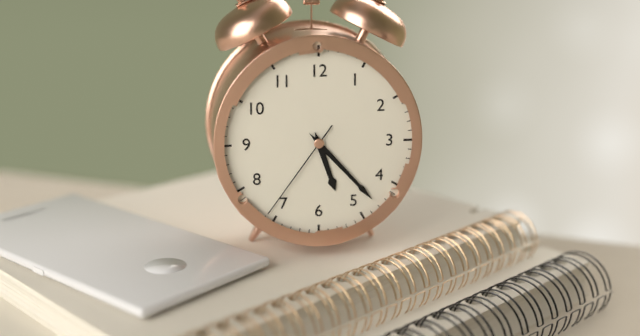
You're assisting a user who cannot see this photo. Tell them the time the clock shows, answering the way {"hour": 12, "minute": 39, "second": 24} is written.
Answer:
{"hour": 5, "minute": 23, "second": 36}
